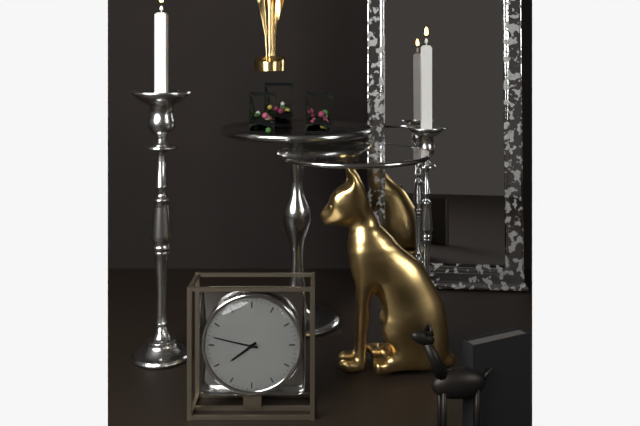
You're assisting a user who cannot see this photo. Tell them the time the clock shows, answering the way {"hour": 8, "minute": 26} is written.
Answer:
{"hour": 7, "minute": 47}
